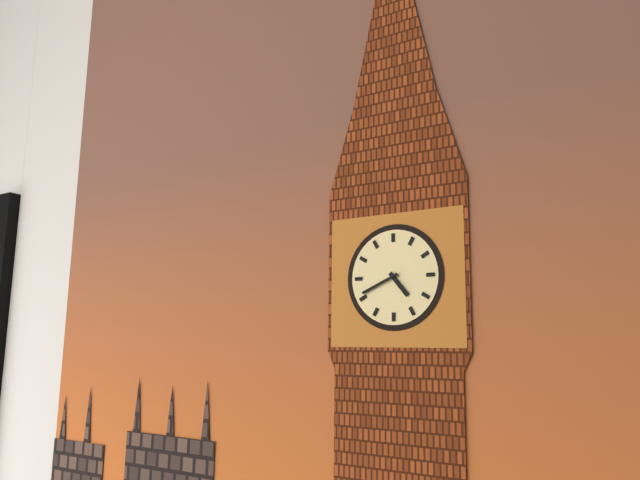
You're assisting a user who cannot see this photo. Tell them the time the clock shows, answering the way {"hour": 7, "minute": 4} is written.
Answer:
{"hour": 4, "minute": 41}
